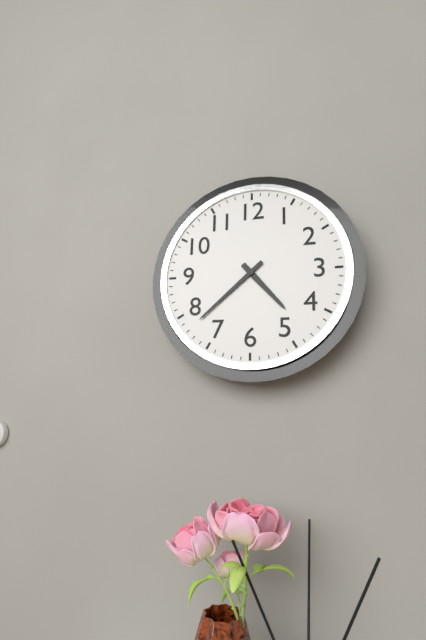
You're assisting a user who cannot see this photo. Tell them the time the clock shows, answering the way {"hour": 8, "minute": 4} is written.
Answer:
{"hour": 4, "minute": 38}
